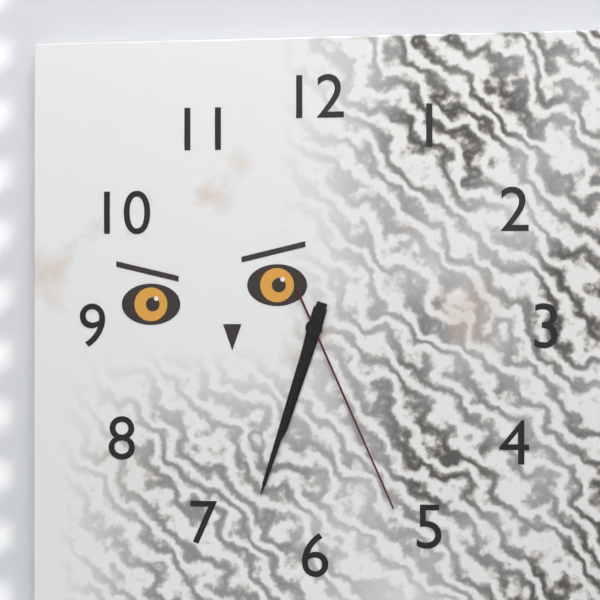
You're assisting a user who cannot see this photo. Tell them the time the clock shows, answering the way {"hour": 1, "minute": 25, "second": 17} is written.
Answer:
{"hour": 6, "minute": 33, "second": 26}
